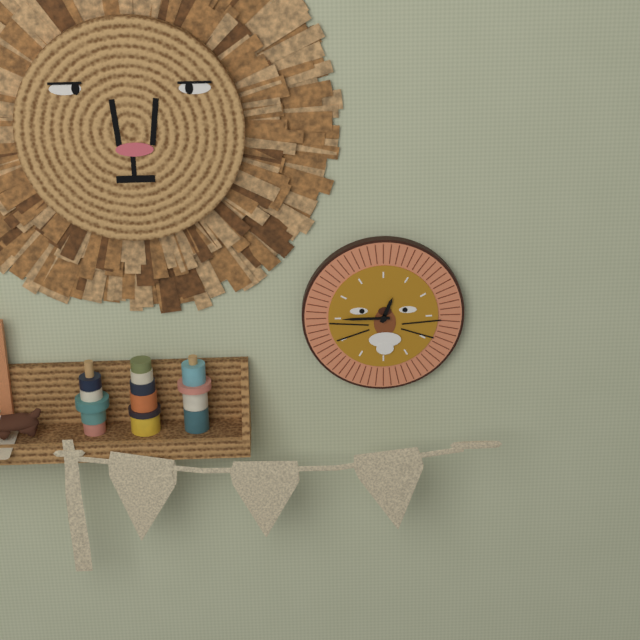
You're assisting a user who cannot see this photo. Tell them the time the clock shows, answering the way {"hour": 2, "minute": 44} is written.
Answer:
{"hour": 12, "minute": 45}
